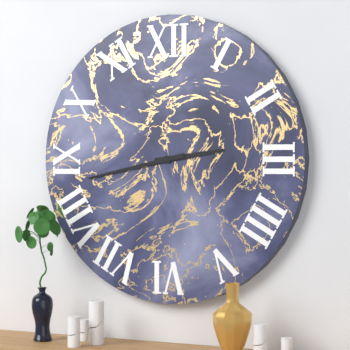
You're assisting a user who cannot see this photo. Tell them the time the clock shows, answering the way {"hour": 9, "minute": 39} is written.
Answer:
{"hour": 2, "minute": 43}
